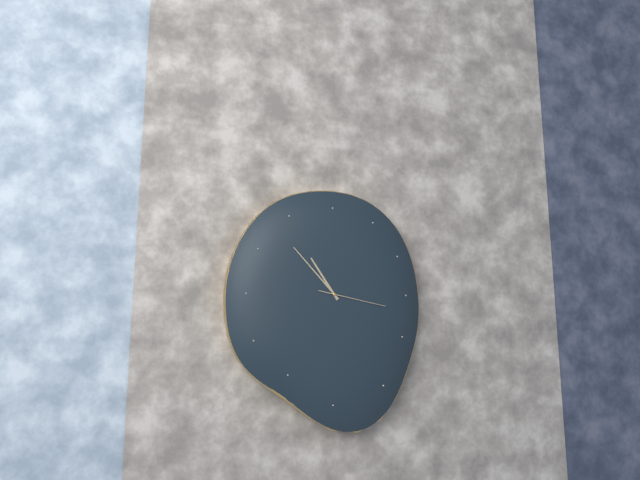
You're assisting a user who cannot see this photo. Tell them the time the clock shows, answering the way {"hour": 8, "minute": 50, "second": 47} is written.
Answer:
{"hour": 10, "minute": 53, "second": 17}
